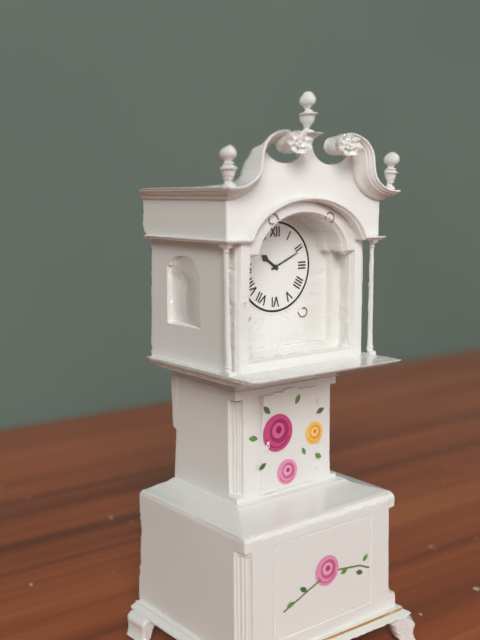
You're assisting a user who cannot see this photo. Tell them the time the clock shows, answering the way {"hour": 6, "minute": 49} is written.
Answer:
{"hour": 10, "minute": 11}
